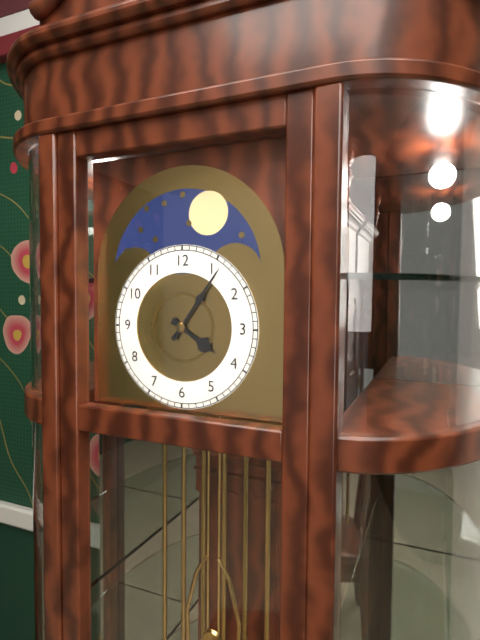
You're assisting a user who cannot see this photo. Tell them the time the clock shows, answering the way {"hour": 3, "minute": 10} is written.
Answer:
{"hour": 4, "minute": 6}
